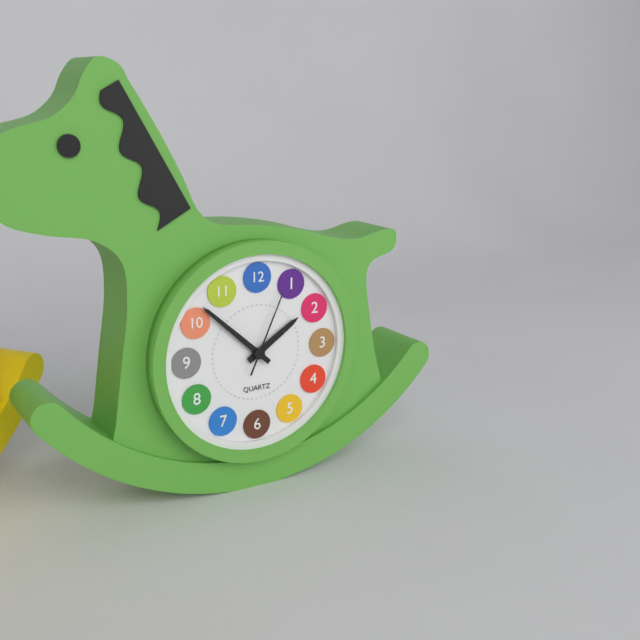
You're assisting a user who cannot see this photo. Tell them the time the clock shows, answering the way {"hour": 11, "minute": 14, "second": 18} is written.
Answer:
{"hour": 1, "minute": 52, "second": 4}
